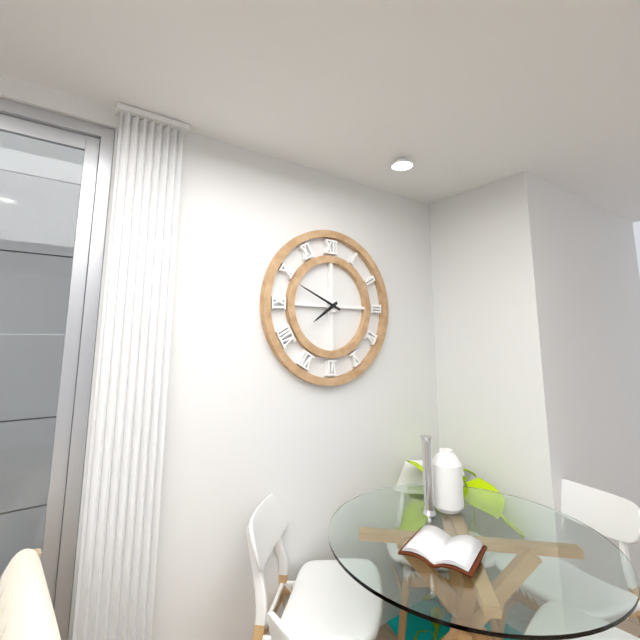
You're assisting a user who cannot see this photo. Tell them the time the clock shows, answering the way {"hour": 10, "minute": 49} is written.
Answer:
{"hour": 7, "minute": 49}
